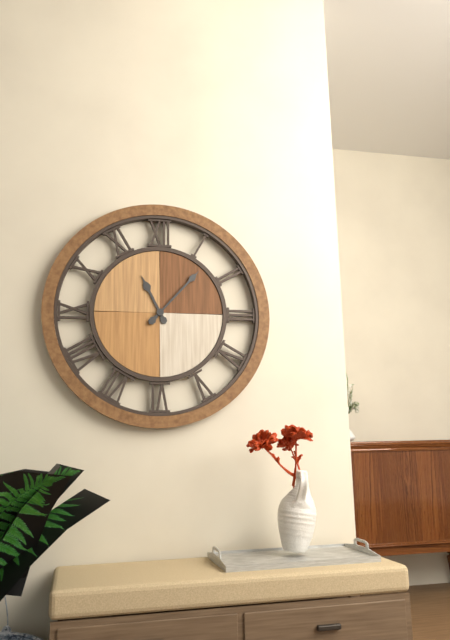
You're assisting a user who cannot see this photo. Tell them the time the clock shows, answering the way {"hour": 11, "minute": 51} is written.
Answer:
{"hour": 11, "minute": 7}
